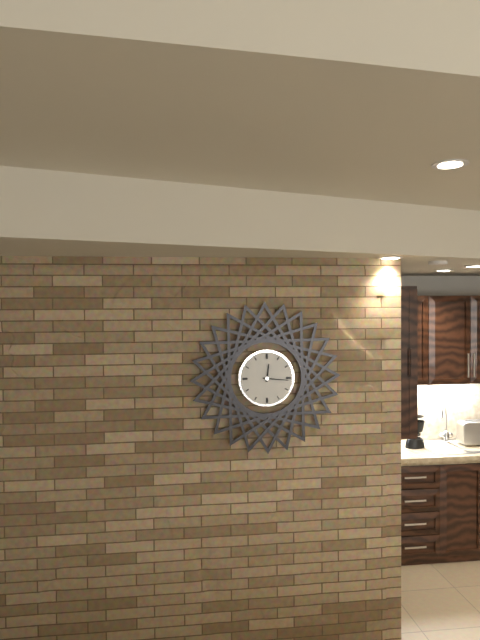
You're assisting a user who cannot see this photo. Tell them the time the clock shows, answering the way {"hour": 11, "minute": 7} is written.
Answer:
{"hour": 12, "minute": 16}
